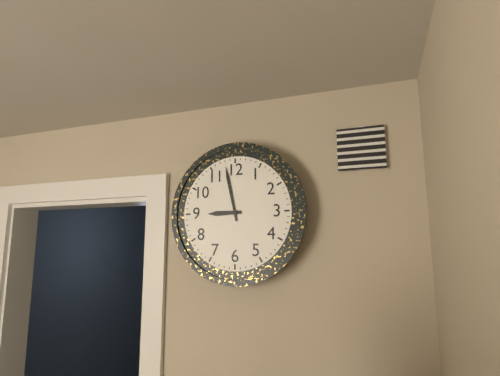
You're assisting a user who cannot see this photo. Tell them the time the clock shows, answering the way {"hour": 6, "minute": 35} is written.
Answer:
{"hour": 8, "minute": 58}
